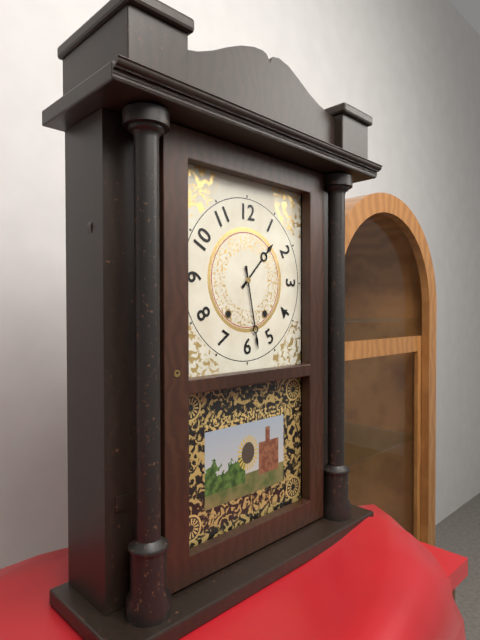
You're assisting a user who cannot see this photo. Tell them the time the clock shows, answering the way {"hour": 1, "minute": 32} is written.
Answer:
{"hour": 1, "minute": 28}
